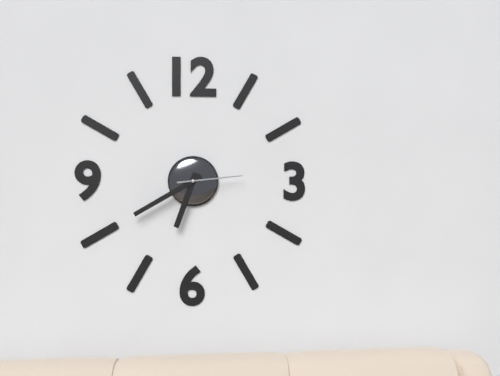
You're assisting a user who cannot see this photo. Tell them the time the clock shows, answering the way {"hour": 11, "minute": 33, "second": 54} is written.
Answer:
{"hour": 6, "minute": 40, "second": 14}
